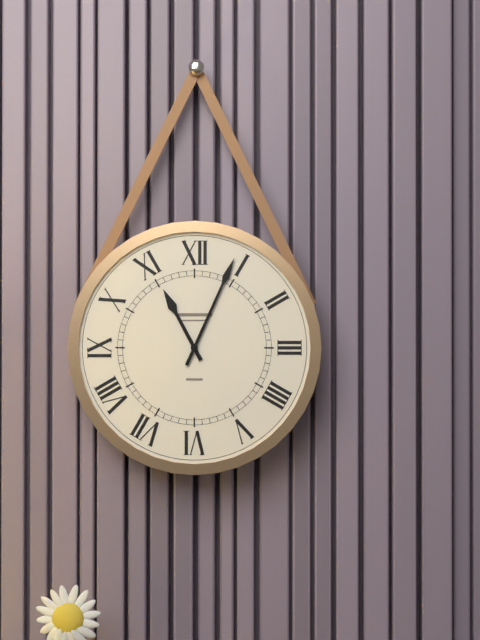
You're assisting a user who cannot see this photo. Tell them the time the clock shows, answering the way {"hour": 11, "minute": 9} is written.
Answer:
{"hour": 11, "minute": 4}
